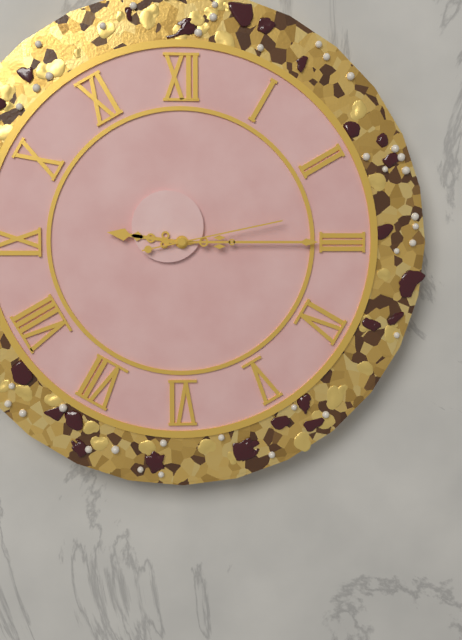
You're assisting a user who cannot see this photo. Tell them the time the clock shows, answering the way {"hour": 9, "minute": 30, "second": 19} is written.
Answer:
{"hour": 9, "minute": 15, "second": 13}
